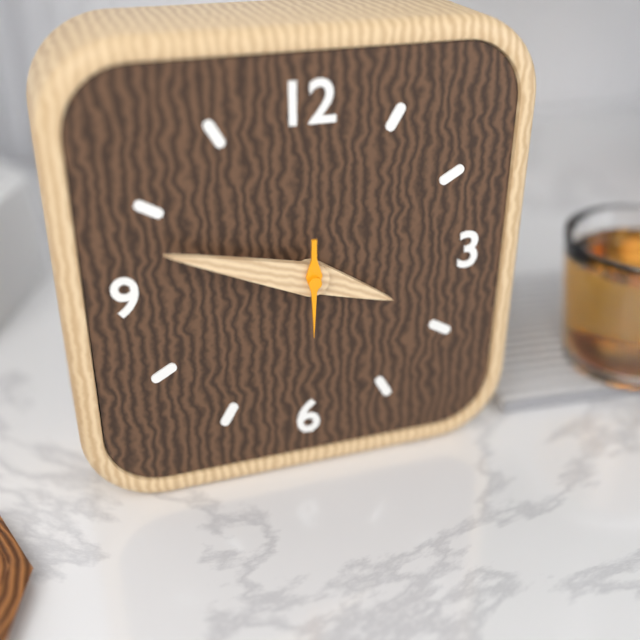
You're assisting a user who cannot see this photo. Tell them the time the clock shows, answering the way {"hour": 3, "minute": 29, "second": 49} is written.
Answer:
{"hour": 3, "minute": 48, "second": 30}
